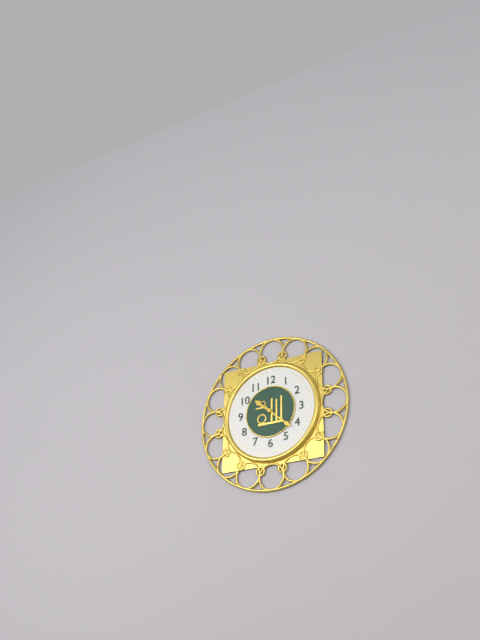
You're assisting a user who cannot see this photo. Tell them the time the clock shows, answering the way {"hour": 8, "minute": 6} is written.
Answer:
{"hour": 10, "minute": 22}
